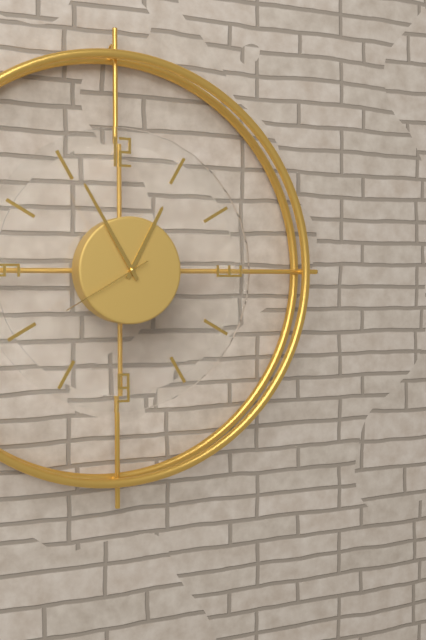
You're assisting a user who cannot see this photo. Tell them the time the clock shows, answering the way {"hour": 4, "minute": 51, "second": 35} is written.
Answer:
{"hour": 12, "minute": 55, "second": 40}
